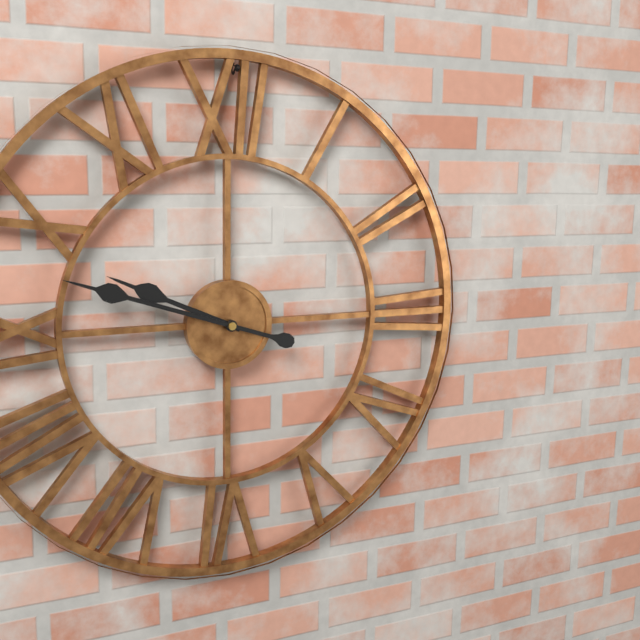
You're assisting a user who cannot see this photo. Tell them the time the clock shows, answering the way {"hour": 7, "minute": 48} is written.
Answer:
{"hour": 9, "minute": 48}
